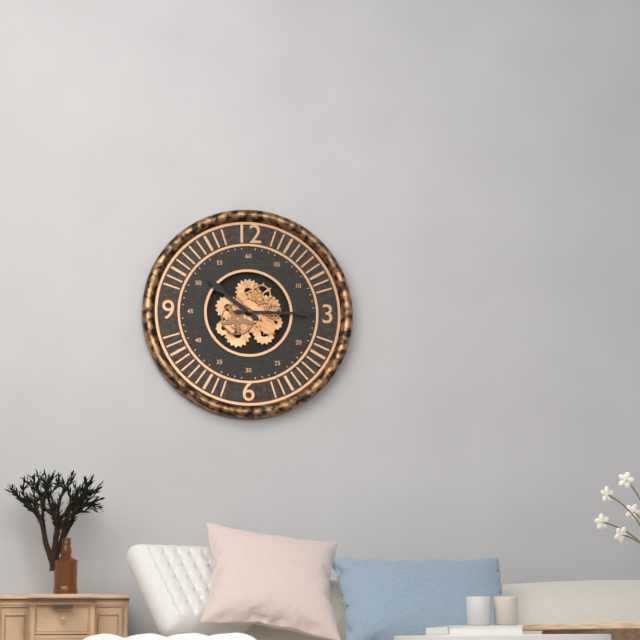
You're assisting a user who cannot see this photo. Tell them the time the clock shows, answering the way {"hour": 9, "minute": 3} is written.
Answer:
{"hour": 10, "minute": 15}
